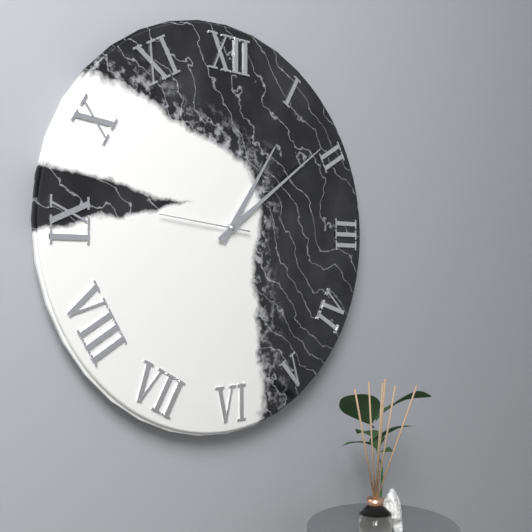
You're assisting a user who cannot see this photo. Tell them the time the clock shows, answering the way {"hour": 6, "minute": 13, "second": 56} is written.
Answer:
{"hour": 1, "minute": 9, "second": 46}
